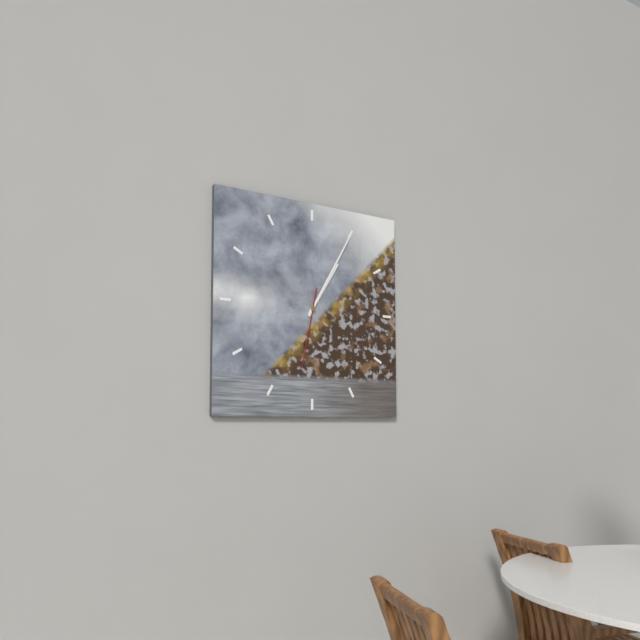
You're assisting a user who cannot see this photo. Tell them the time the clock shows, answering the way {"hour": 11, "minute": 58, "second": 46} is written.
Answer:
{"hour": 1, "minute": 5, "second": 32}
